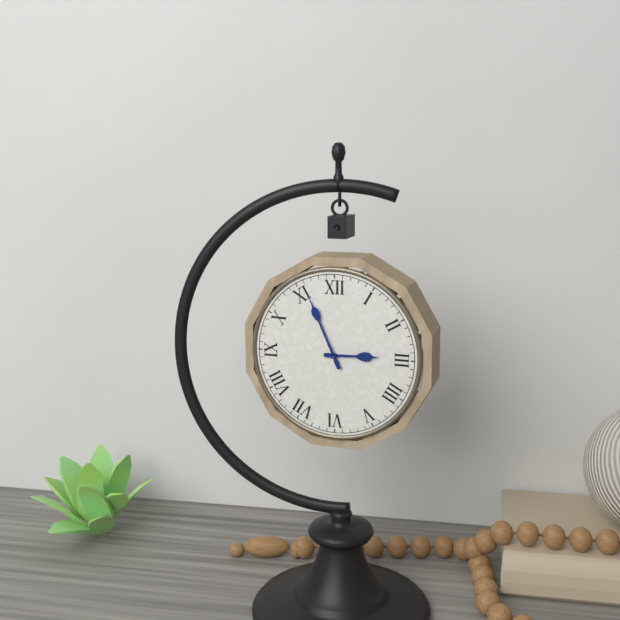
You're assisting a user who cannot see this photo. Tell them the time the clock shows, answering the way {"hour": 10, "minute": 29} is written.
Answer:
{"hour": 2, "minute": 56}
